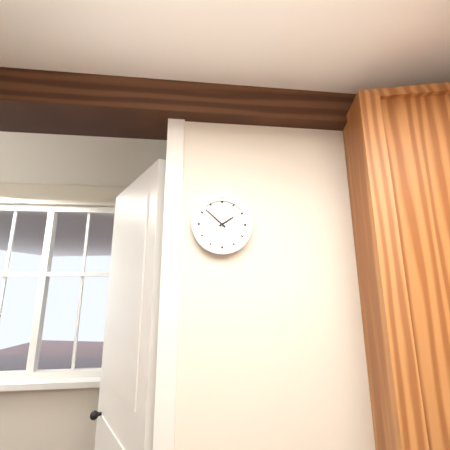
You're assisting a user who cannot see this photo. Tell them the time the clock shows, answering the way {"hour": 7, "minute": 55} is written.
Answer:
{"hour": 1, "minute": 52}
